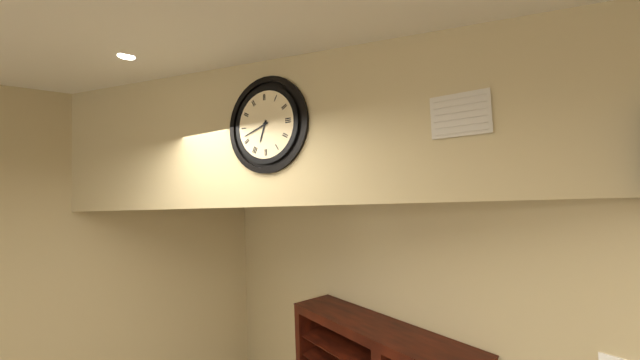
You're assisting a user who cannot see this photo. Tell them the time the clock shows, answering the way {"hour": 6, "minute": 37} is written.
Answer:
{"hour": 6, "minute": 42}
